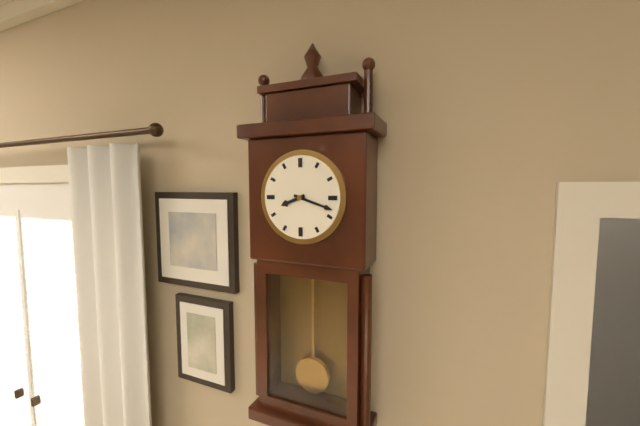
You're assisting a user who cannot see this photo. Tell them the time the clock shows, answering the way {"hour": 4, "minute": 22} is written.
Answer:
{"hour": 8, "minute": 18}
